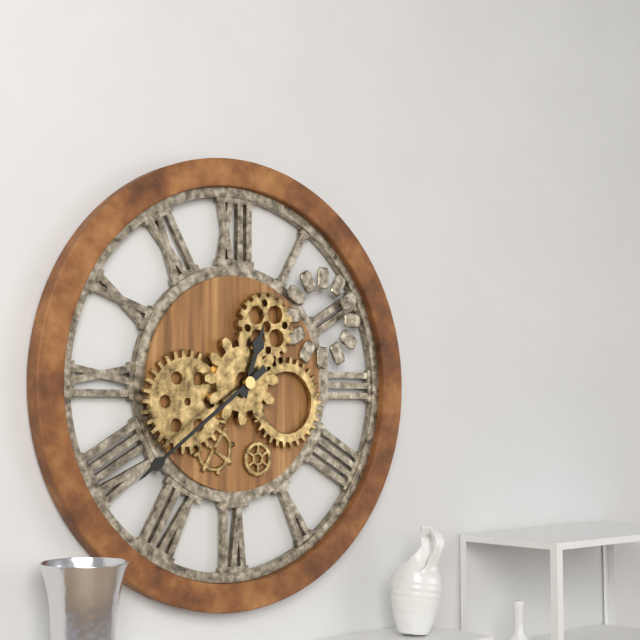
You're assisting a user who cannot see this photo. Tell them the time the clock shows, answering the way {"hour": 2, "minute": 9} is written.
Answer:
{"hour": 12, "minute": 39}
